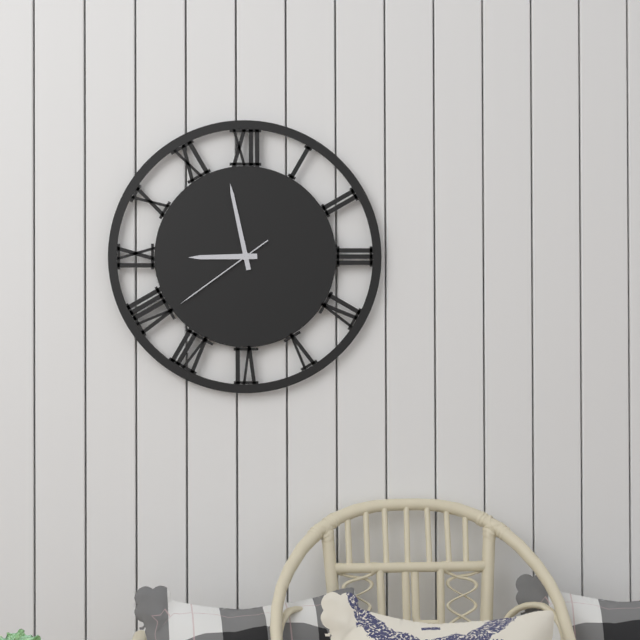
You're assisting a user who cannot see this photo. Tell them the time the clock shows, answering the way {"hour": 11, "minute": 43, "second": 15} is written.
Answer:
{"hour": 8, "minute": 58, "second": 39}
